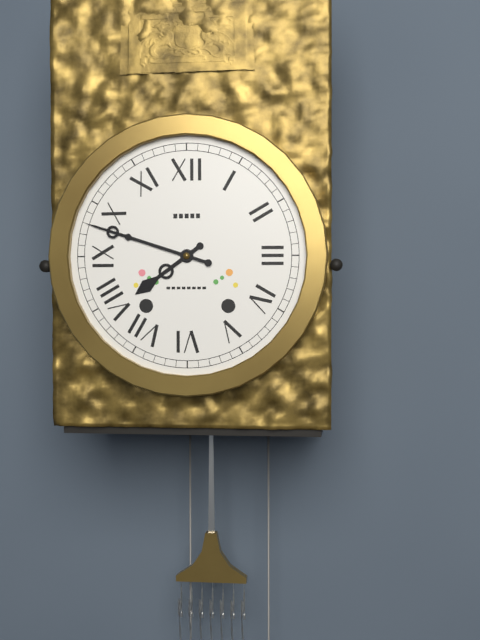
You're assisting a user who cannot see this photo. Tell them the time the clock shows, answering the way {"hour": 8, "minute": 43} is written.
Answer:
{"hour": 7, "minute": 48}
